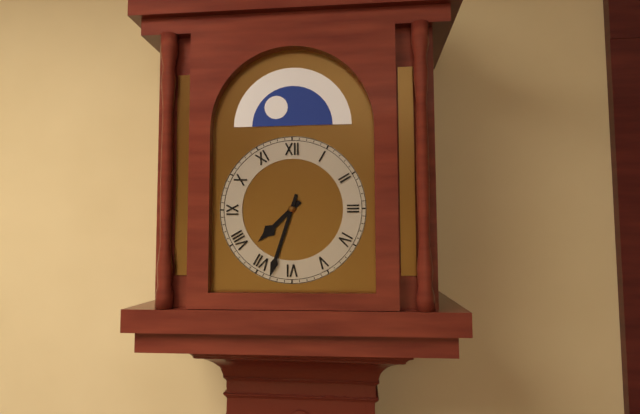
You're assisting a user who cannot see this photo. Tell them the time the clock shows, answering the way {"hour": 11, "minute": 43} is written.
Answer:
{"hour": 7, "minute": 33}
